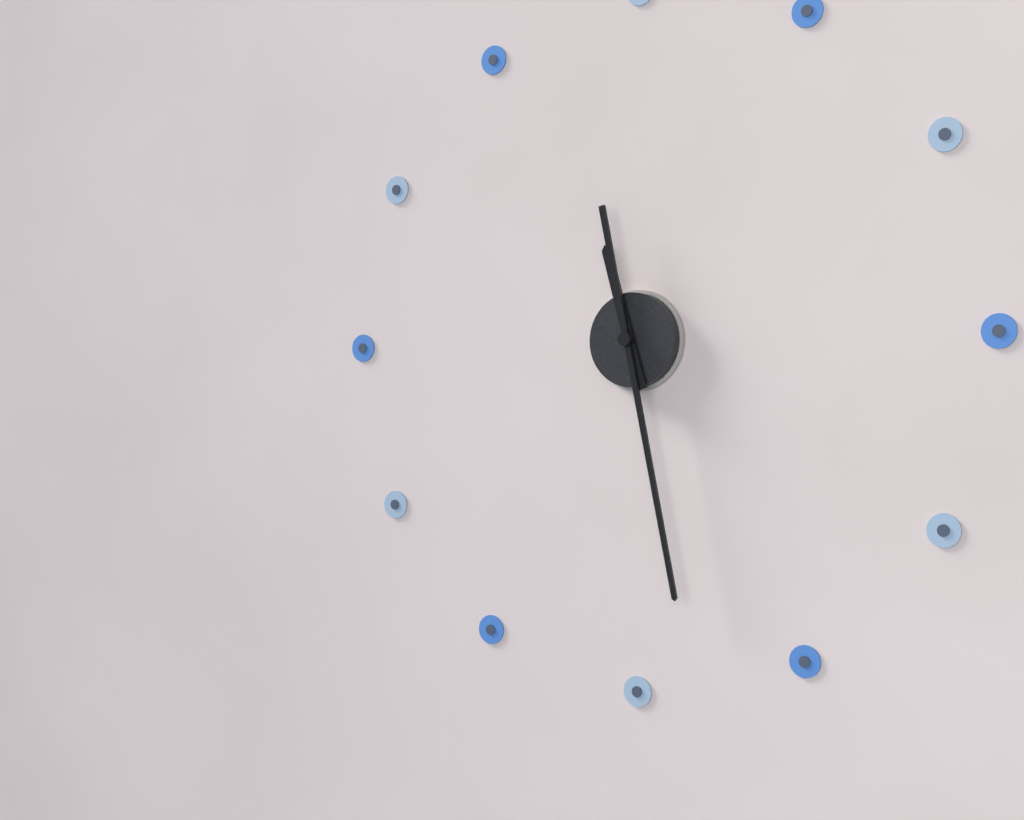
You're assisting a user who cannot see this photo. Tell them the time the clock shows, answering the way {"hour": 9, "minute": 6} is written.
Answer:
{"hour": 11, "minute": 28}
